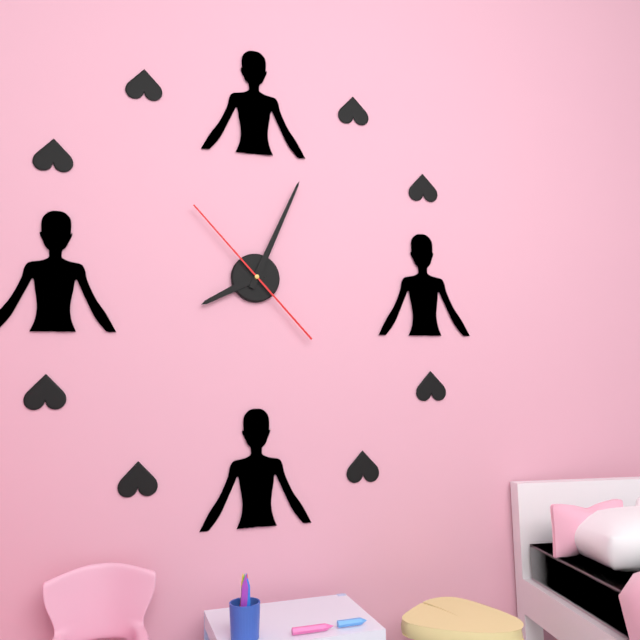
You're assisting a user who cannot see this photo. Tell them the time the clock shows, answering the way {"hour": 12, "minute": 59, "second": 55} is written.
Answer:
{"hour": 8, "minute": 4, "second": 53}
